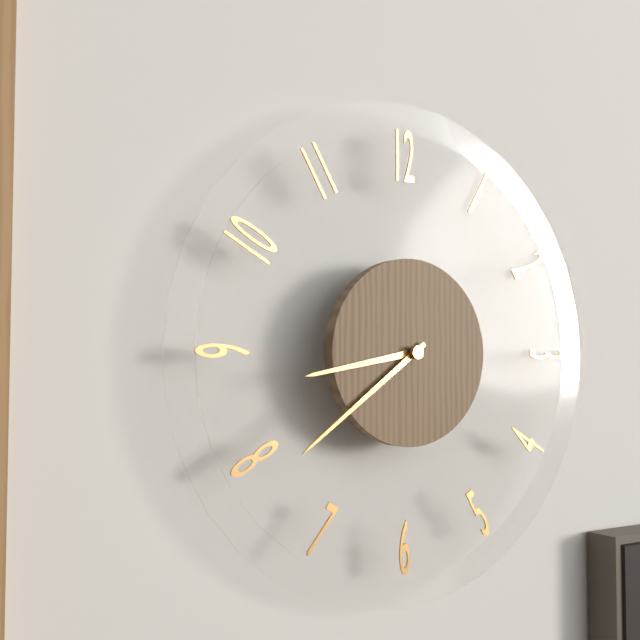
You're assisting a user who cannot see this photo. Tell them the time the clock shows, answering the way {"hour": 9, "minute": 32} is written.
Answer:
{"hour": 8, "minute": 39}
